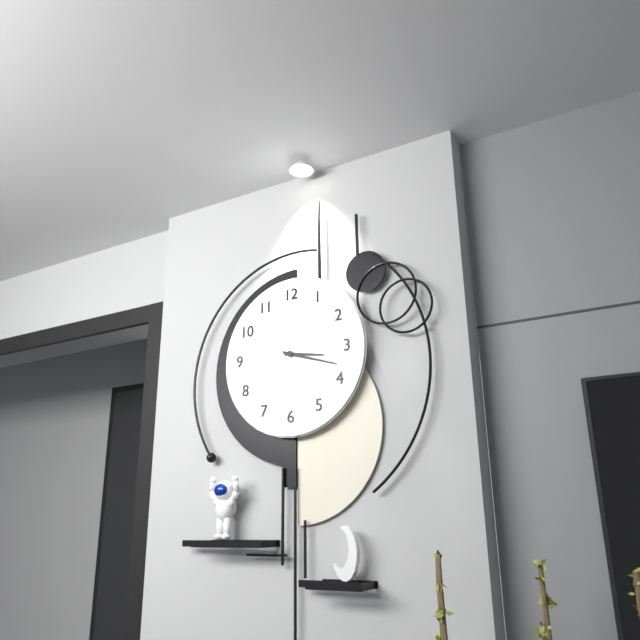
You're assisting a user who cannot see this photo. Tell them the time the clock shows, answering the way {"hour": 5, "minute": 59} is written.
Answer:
{"hour": 3, "minute": 18}
